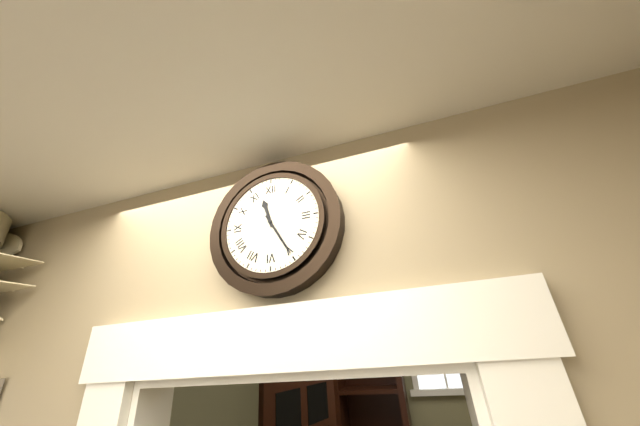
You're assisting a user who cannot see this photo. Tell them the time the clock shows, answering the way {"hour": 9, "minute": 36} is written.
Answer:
{"hour": 11, "minute": 25}
